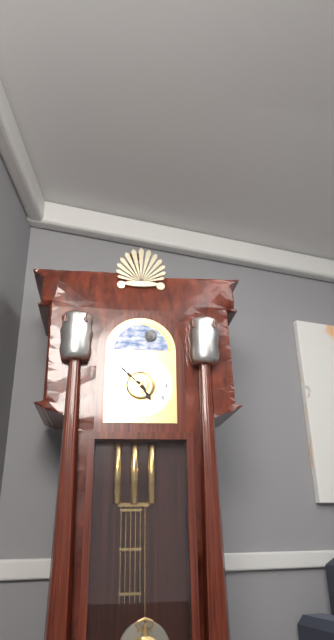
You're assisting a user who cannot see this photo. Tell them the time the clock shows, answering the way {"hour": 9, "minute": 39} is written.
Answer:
{"hour": 4, "minute": 52}
